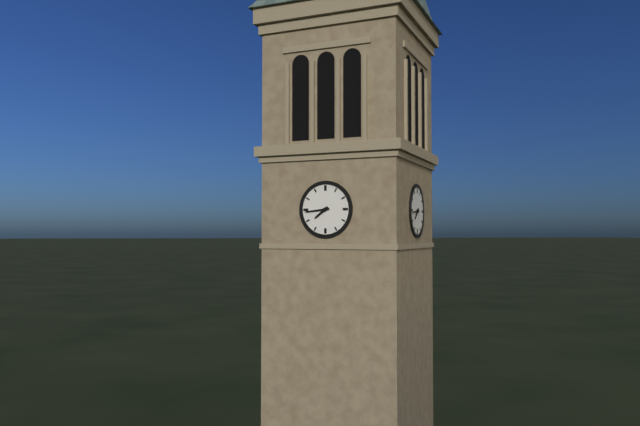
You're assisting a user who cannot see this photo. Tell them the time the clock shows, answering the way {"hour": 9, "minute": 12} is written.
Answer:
{"hour": 7, "minute": 44}
